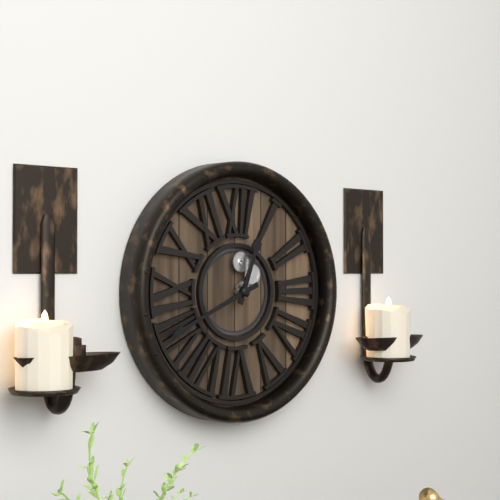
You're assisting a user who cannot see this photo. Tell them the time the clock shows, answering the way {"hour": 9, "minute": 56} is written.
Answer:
{"hour": 12, "minute": 41}
